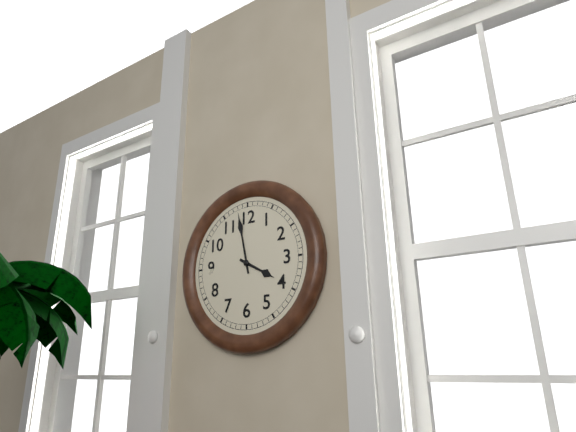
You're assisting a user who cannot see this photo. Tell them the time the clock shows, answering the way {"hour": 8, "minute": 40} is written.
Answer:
{"hour": 3, "minute": 58}
